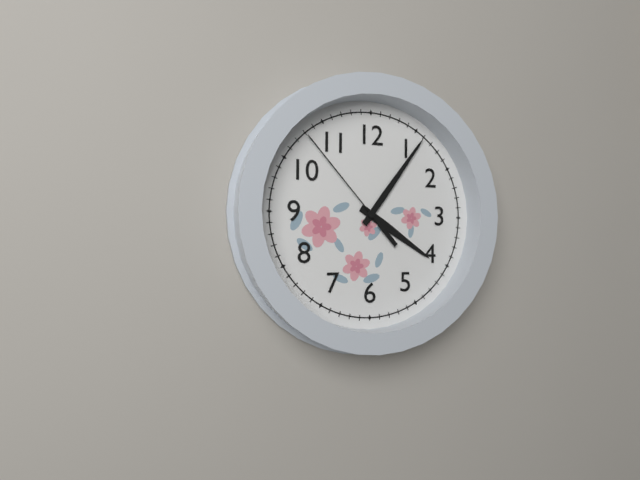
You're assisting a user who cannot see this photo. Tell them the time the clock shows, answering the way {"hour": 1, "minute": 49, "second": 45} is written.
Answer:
{"hour": 4, "minute": 6, "second": 53}
